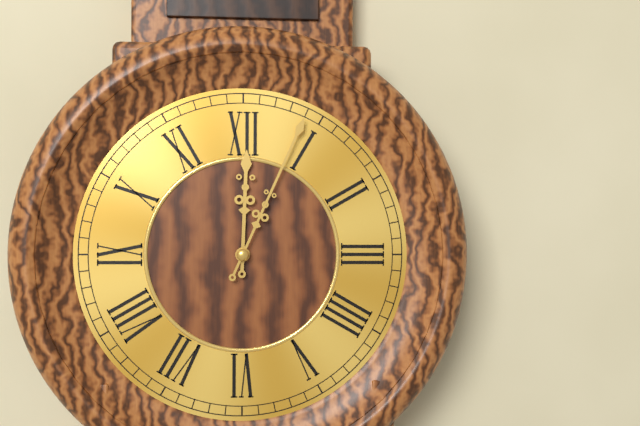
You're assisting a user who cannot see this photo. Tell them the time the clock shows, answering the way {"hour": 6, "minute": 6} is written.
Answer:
{"hour": 12, "minute": 4}
